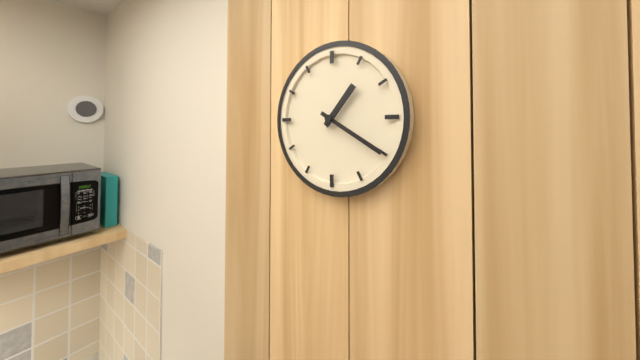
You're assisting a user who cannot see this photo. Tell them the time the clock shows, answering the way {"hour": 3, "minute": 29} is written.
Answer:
{"hour": 1, "minute": 20}
